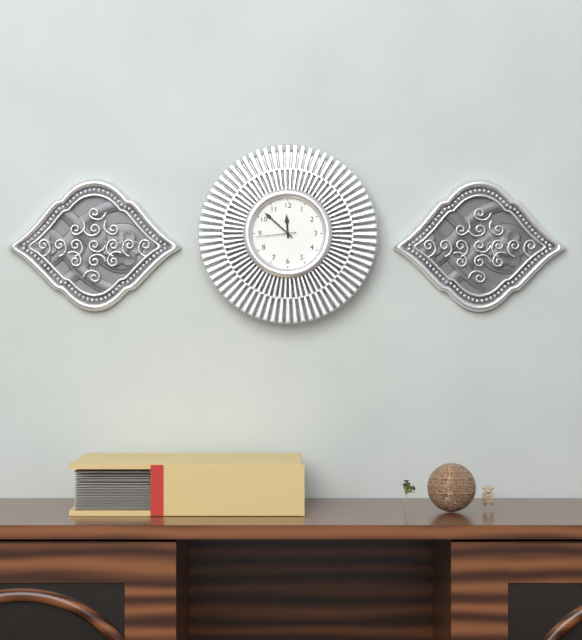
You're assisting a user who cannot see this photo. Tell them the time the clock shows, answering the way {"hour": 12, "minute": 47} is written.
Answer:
{"hour": 11, "minute": 52}
